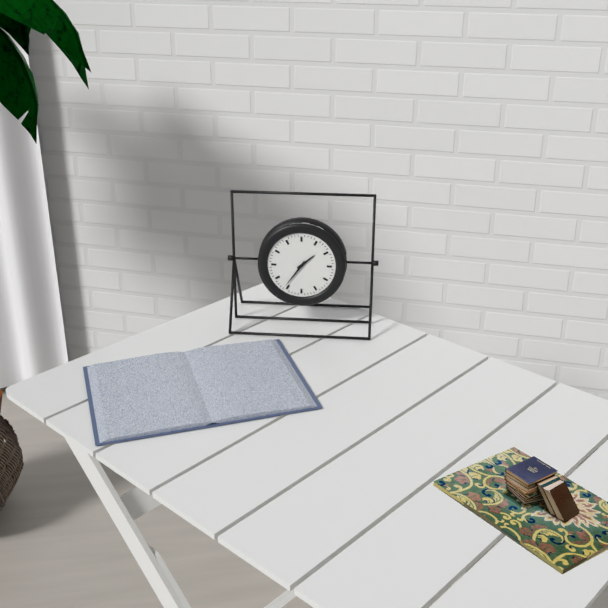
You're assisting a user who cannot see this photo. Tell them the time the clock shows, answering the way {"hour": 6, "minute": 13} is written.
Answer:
{"hour": 1, "minute": 36}
